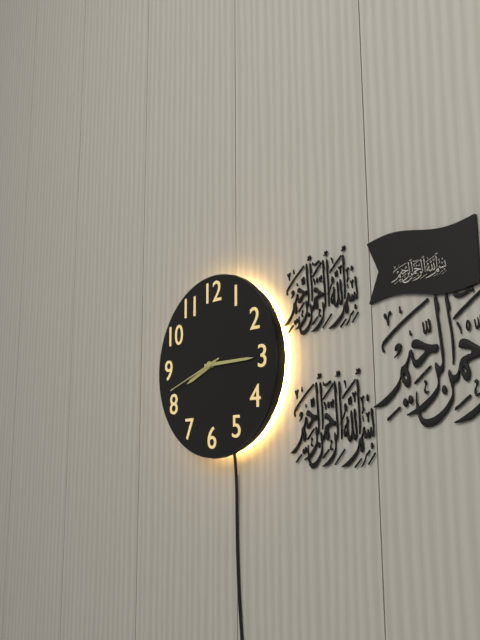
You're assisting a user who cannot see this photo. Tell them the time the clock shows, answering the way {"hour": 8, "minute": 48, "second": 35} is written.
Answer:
{"hour": 8, "minute": 15, "second": 42}
